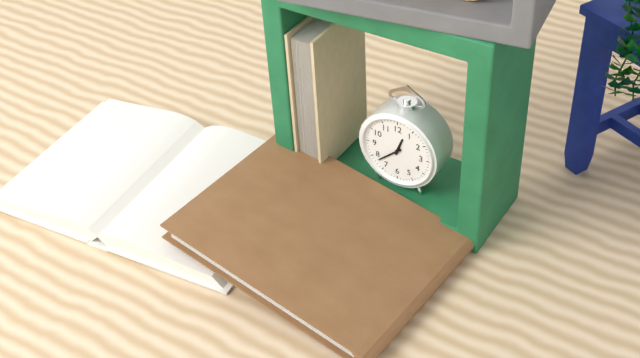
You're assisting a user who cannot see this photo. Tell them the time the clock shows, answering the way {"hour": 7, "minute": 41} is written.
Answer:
{"hour": 12, "minute": 38}
